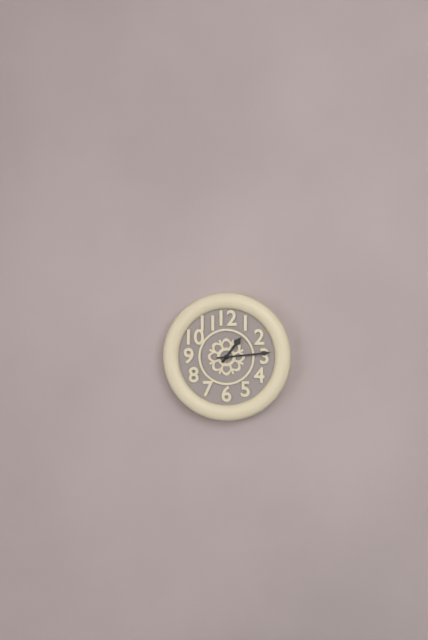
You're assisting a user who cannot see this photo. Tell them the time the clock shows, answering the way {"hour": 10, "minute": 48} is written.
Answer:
{"hour": 1, "minute": 14}
